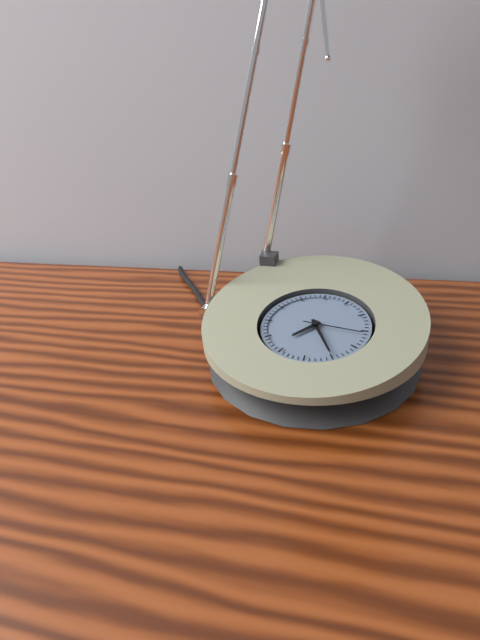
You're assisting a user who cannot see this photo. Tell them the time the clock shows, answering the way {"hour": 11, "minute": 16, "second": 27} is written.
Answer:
{"hour": 7, "minute": 25, "second": 16}
